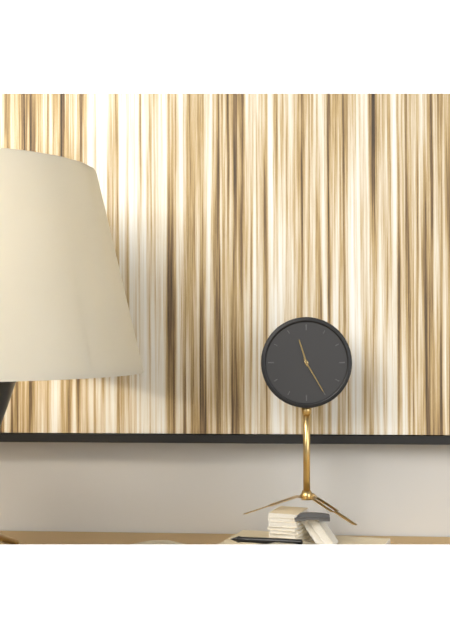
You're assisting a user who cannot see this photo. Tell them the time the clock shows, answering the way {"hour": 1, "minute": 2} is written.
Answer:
{"hour": 11, "minute": 25}
